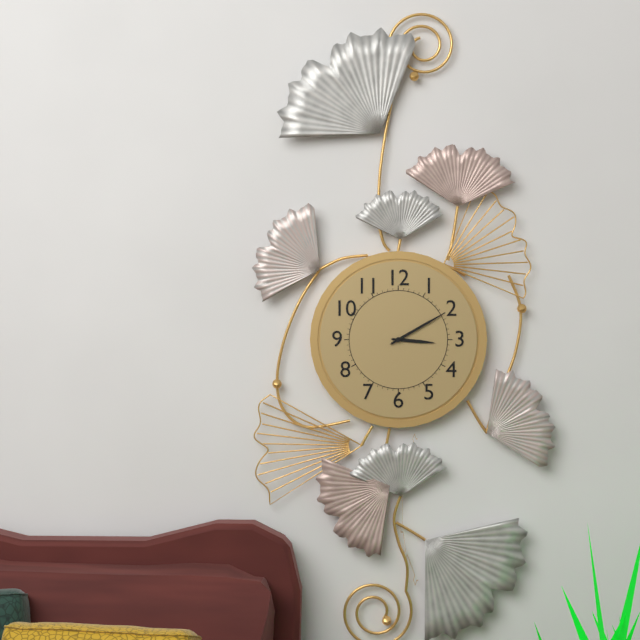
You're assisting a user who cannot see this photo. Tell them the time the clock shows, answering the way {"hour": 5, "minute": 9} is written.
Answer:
{"hour": 3, "minute": 10}
